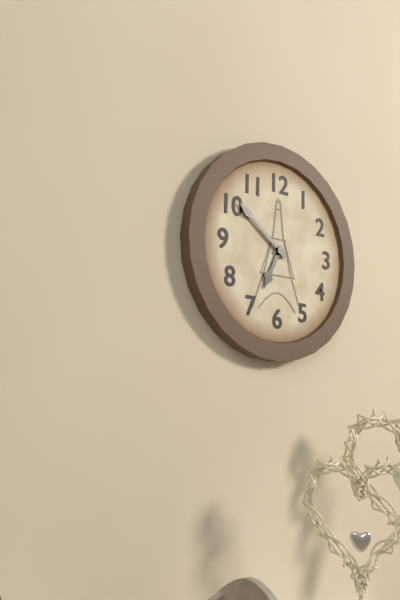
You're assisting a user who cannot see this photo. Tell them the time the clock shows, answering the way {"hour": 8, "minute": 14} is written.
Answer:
{"hour": 6, "minute": 51}
